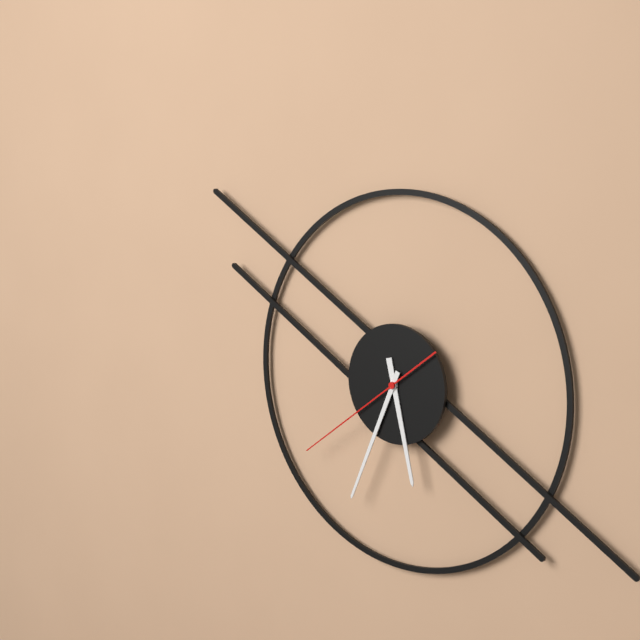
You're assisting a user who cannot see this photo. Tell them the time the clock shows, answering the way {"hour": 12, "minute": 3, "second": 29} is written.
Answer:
{"hour": 5, "minute": 34, "second": 39}
